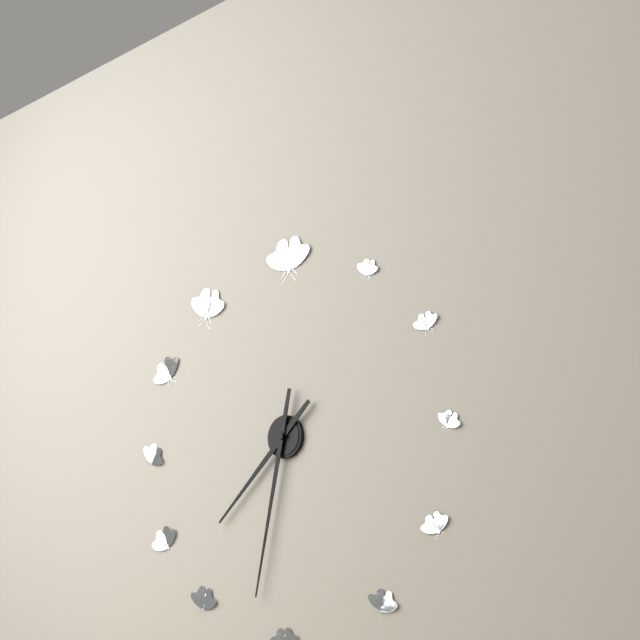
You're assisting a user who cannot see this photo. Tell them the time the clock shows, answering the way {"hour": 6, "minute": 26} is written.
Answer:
{"hour": 7, "minute": 32}
